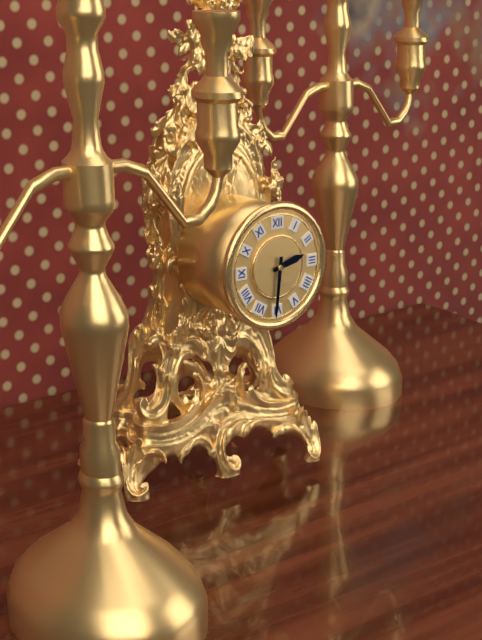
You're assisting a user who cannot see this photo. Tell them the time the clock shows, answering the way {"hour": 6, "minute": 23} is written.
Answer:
{"hour": 2, "minute": 31}
